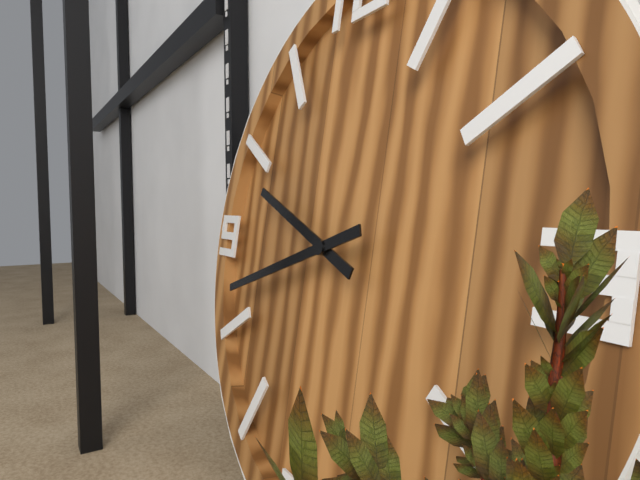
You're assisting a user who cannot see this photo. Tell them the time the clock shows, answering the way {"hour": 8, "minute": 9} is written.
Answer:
{"hour": 9, "minute": 42}
